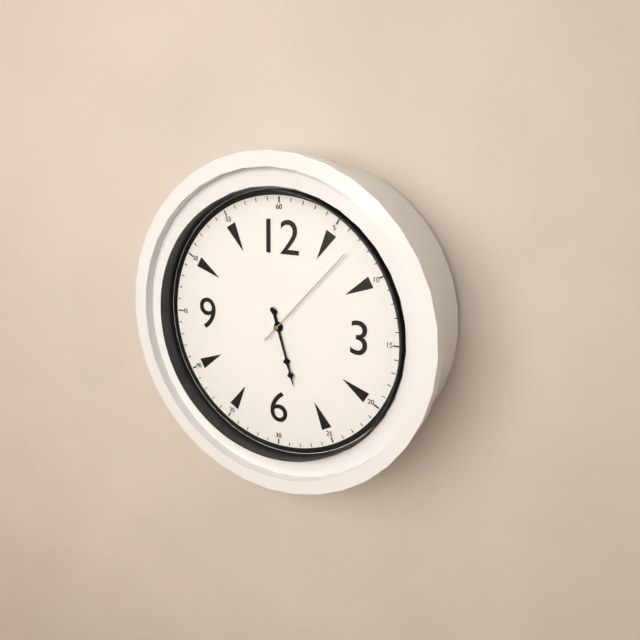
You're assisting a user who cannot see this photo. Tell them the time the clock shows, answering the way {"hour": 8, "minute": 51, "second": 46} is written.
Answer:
{"hour": 5, "minute": 27, "second": 7}
